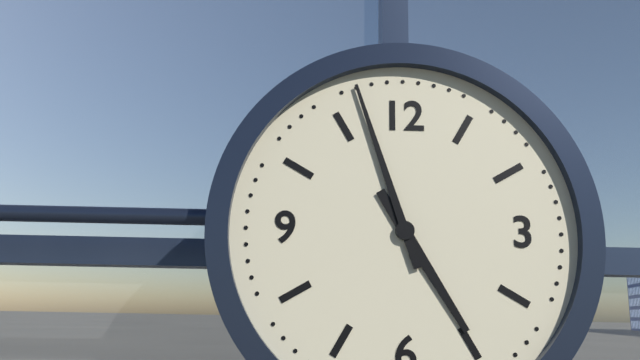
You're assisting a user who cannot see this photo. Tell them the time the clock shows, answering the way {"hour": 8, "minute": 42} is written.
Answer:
{"hour": 4, "minute": 57}
